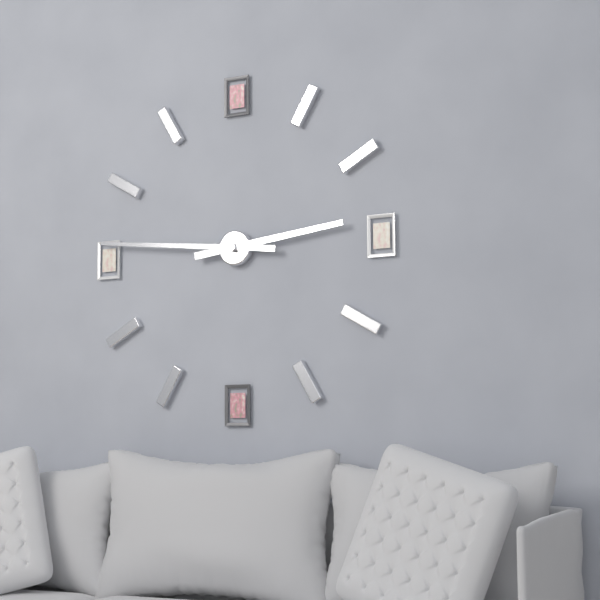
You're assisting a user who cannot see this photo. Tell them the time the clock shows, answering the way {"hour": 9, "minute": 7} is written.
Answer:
{"hour": 2, "minute": 46}
